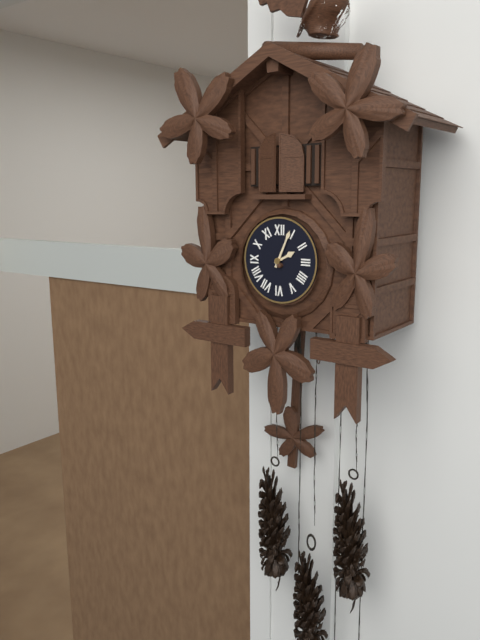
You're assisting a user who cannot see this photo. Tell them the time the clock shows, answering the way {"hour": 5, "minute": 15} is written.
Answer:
{"hour": 2, "minute": 4}
